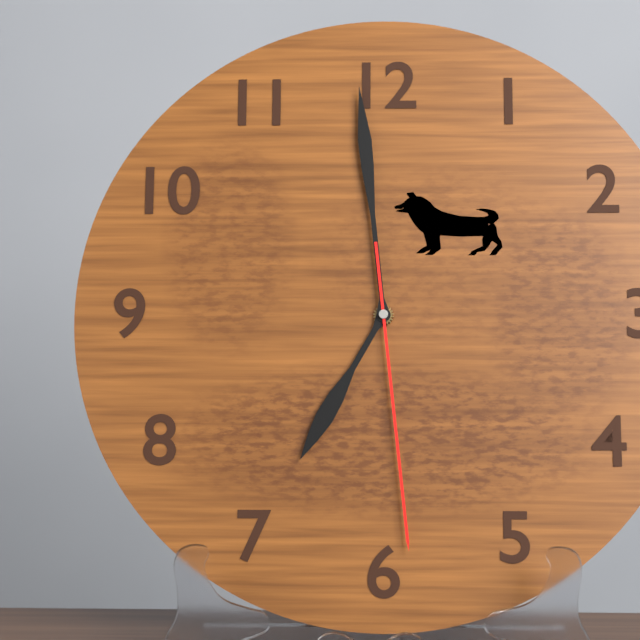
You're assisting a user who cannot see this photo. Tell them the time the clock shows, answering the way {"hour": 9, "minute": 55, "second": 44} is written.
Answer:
{"hour": 6, "minute": 59, "second": 29}
